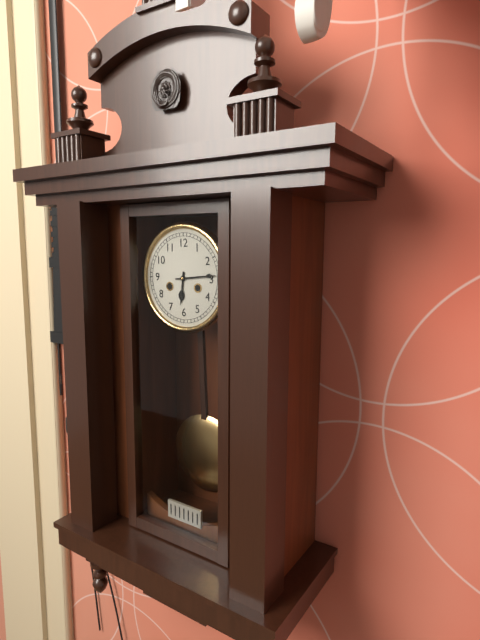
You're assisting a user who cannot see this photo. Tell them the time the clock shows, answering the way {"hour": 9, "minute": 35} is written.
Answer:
{"hour": 6, "minute": 14}
